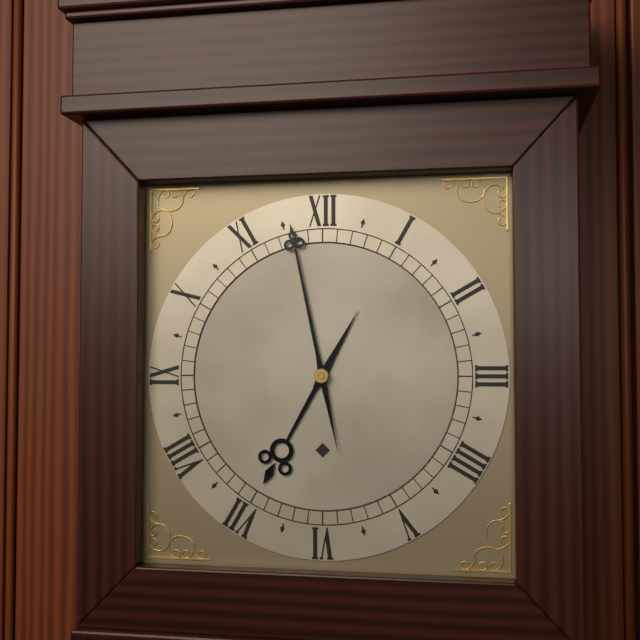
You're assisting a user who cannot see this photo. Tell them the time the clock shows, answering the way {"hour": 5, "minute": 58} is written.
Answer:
{"hour": 6, "minute": 58}
